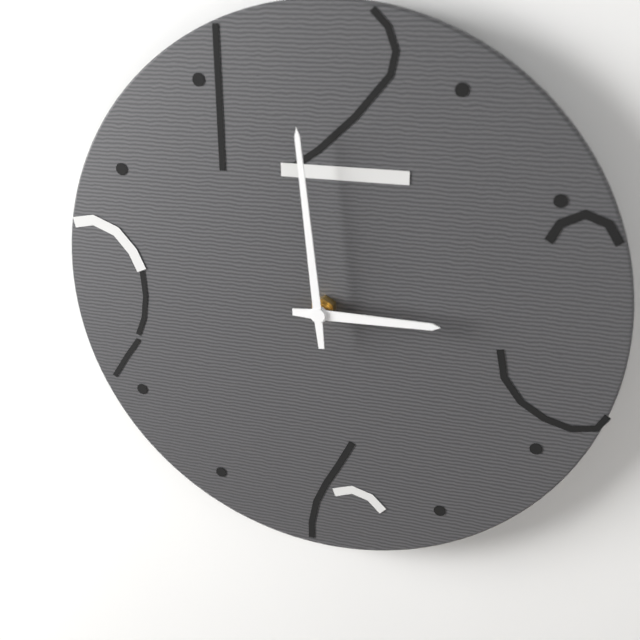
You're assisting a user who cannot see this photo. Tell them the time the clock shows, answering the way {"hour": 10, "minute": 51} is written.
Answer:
{"hour": 2, "minute": 59}
